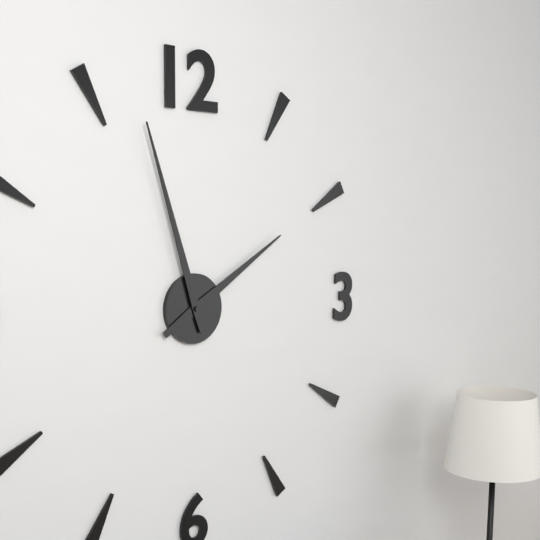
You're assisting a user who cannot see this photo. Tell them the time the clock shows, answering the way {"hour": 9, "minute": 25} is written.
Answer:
{"hour": 1, "minute": 57}
